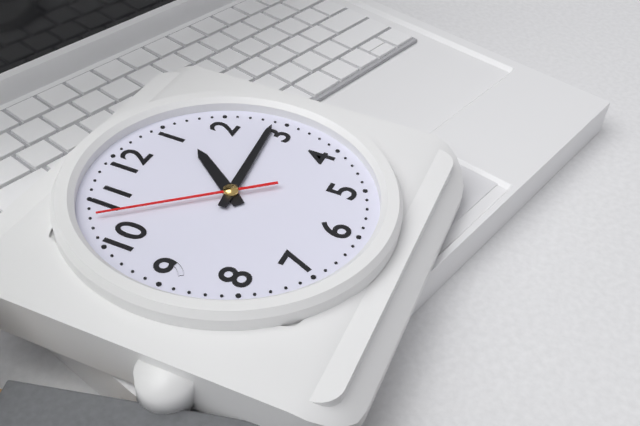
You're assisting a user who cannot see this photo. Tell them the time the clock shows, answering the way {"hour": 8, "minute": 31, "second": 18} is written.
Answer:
{"hour": 1, "minute": 14, "second": 53}
